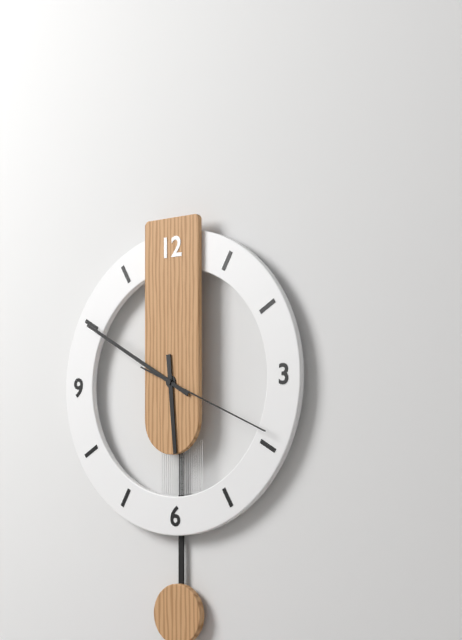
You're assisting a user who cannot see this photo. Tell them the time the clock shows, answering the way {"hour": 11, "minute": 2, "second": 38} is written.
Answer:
{"hour": 5, "minute": 50, "second": 19}
